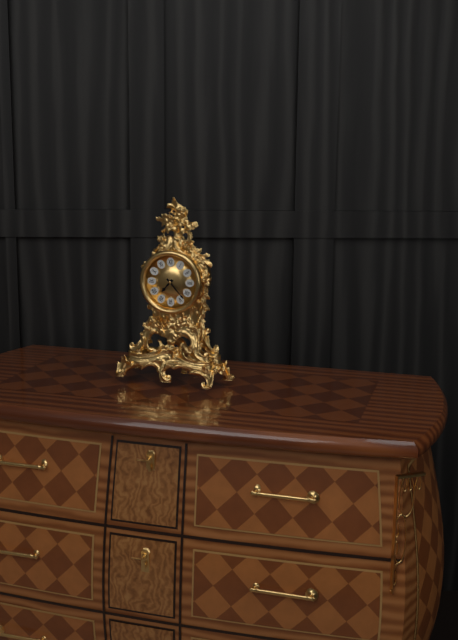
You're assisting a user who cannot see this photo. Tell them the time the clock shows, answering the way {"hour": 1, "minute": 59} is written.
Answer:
{"hour": 7, "minute": 23}
